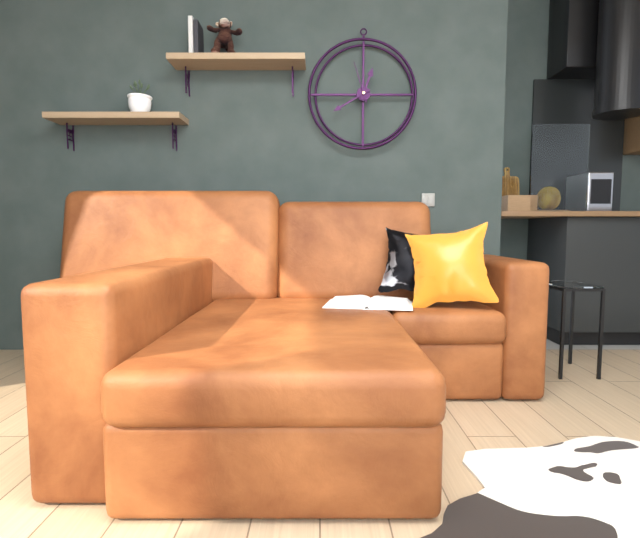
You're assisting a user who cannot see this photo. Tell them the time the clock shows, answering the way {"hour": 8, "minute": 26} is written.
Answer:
{"hour": 12, "minute": 40}
